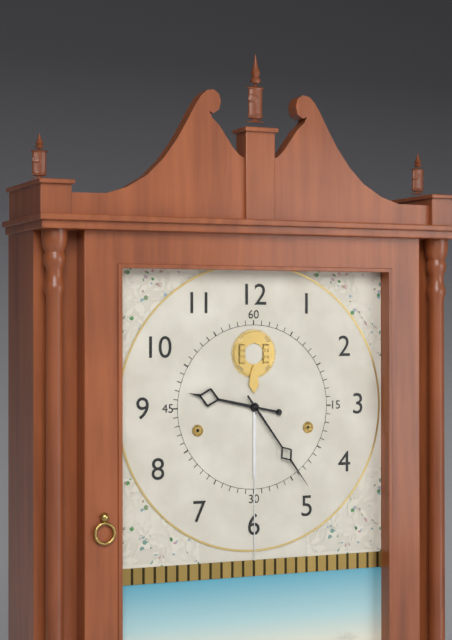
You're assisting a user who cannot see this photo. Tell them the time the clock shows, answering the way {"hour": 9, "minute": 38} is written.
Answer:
{"hour": 9, "minute": 24}
